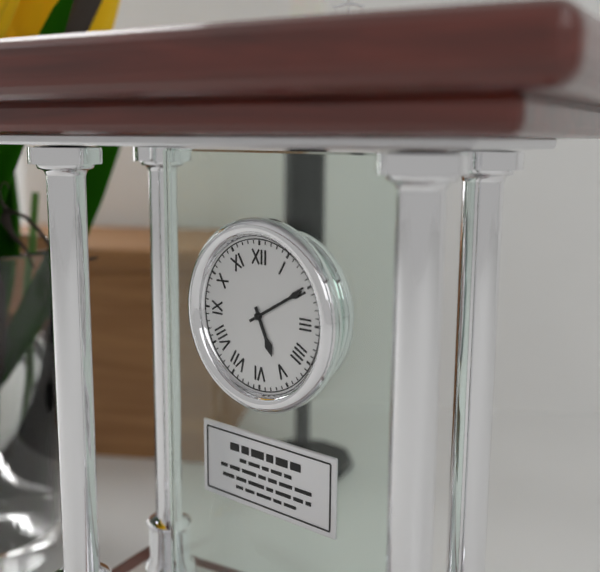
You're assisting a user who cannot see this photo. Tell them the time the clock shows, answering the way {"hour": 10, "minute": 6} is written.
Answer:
{"hour": 5, "minute": 10}
